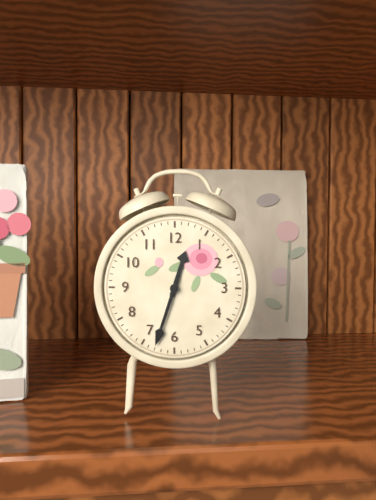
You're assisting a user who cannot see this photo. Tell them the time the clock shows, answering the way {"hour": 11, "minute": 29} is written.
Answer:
{"hour": 12, "minute": 33}
